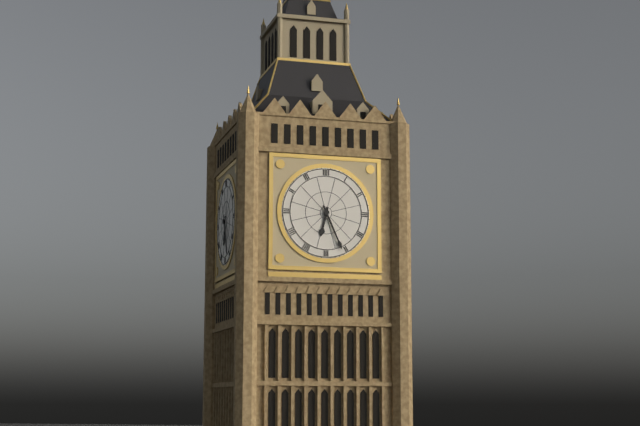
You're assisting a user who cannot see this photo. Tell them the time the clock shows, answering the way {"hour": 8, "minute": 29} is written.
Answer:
{"hour": 6, "minute": 26}
